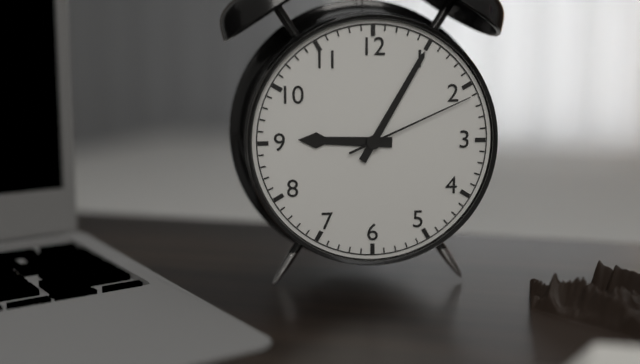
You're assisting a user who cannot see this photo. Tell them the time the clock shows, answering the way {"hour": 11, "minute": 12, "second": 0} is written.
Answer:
{"hour": 9, "minute": 5, "second": 11}
